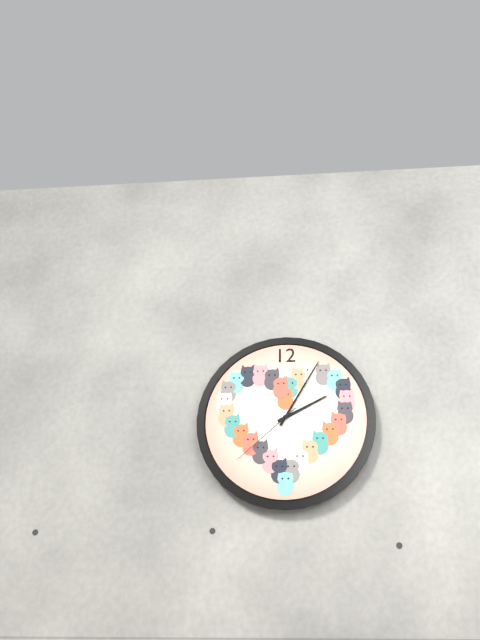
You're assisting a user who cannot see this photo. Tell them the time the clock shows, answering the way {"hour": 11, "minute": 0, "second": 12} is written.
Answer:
{"hour": 2, "minute": 5, "second": 38}
